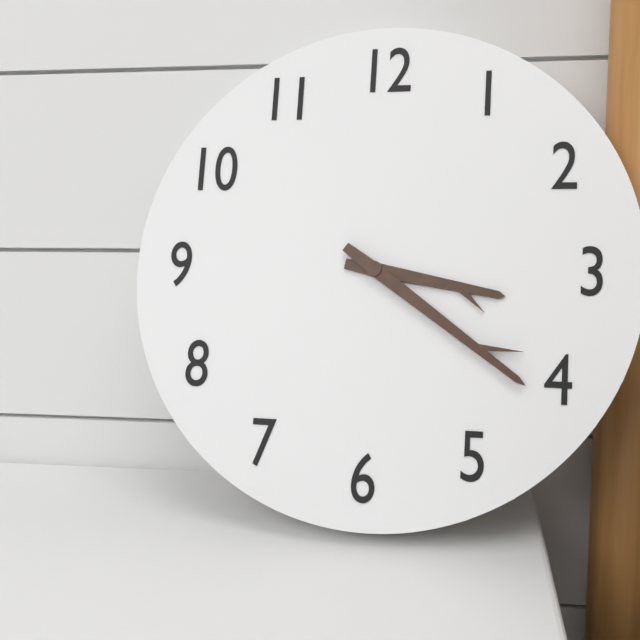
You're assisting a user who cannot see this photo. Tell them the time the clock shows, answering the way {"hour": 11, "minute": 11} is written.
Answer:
{"hour": 3, "minute": 21}
